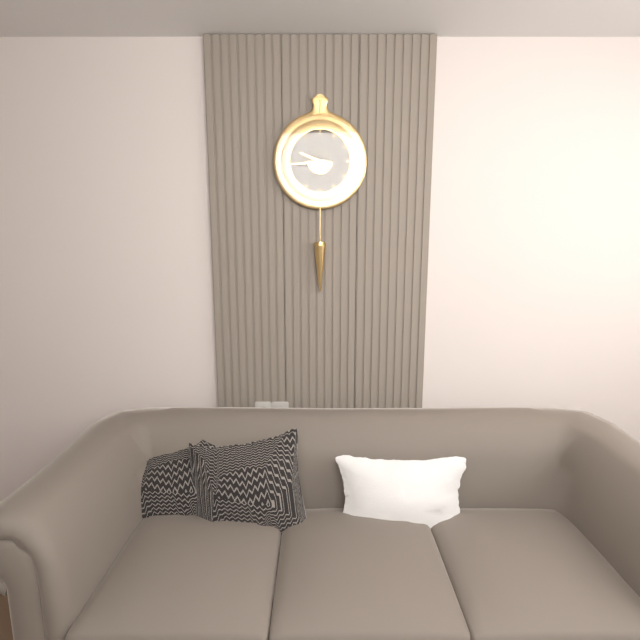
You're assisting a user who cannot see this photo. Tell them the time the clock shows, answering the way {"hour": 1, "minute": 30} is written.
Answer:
{"hour": 9, "minute": 44}
